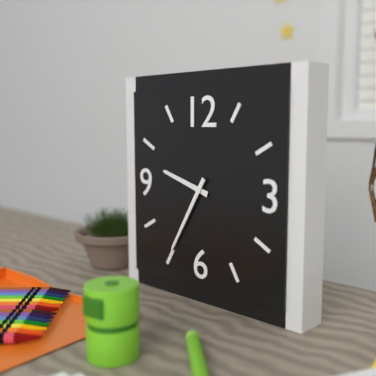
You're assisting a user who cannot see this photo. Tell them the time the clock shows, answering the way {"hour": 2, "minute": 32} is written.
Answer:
{"hour": 9, "minute": 35}
